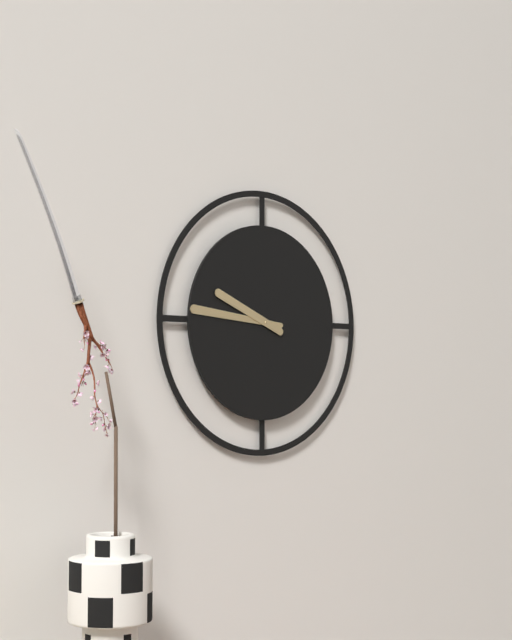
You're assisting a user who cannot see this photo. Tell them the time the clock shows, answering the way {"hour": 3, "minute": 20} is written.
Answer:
{"hour": 9, "minute": 46}
